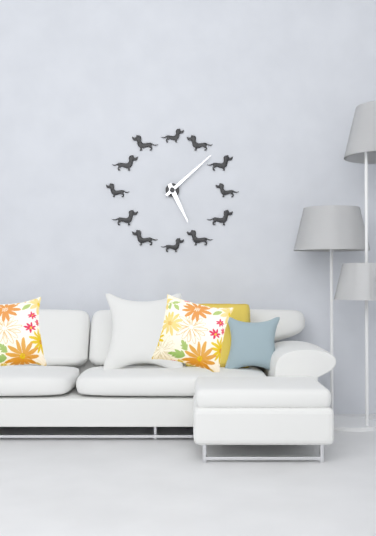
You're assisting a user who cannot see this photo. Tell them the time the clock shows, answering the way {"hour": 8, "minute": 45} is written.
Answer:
{"hour": 5, "minute": 8}
